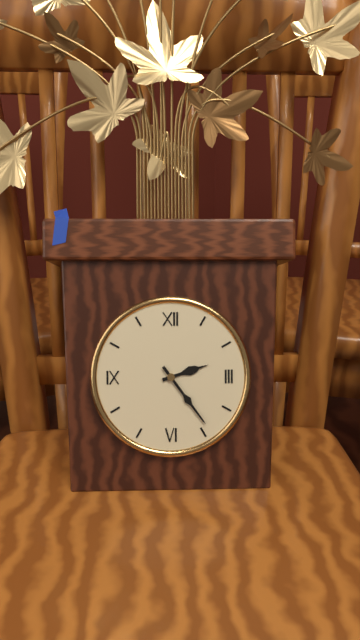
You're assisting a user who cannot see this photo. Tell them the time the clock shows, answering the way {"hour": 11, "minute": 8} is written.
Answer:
{"hour": 2, "minute": 24}
